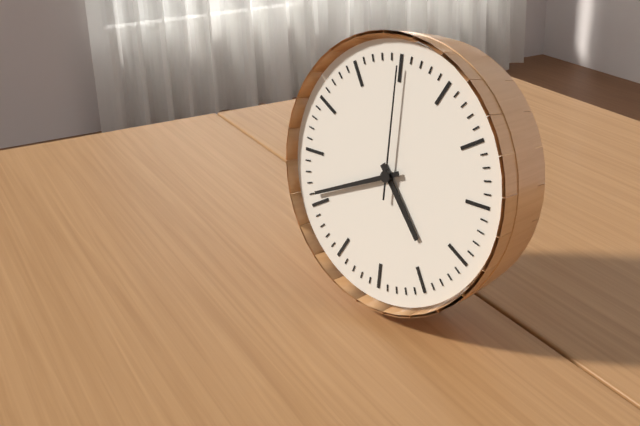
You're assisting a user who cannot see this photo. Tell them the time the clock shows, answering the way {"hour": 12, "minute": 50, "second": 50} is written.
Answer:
{"hour": 4, "minute": 41, "second": 0}
